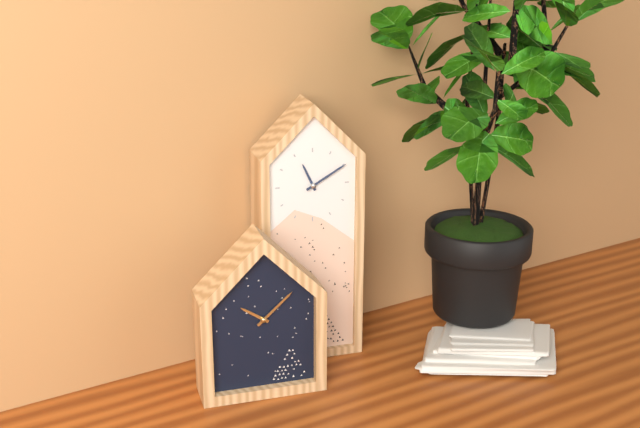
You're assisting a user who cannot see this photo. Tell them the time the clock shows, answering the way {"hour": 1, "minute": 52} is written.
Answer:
{"hour": 11, "minute": 10}
